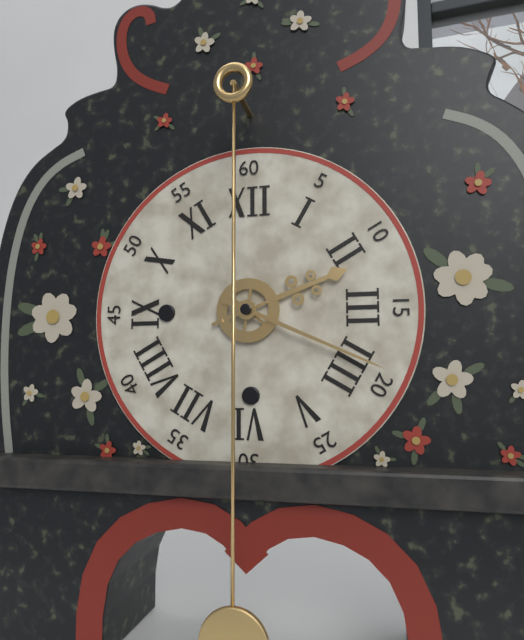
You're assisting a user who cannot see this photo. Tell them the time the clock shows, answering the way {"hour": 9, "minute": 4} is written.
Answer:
{"hour": 2, "minute": 19}
